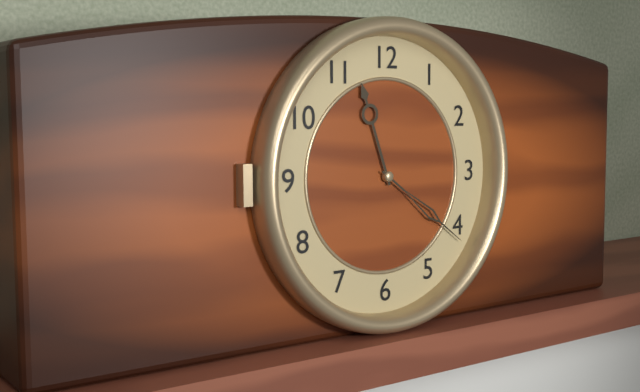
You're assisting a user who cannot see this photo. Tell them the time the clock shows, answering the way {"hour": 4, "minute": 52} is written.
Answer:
{"hour": 11, "minute": 21}
